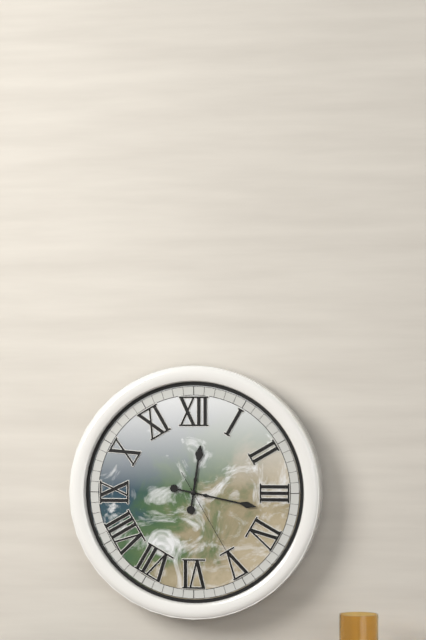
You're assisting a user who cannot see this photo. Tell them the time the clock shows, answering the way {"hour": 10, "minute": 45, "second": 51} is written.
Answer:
{"hour": 12, "minute": 17, "second": 25}
